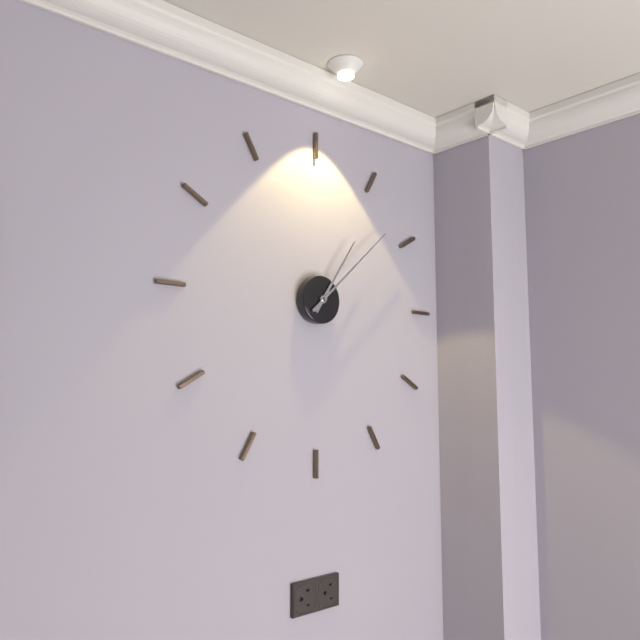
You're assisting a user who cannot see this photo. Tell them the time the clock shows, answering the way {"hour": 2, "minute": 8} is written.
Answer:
{"hour": 1, "minute": 8}
